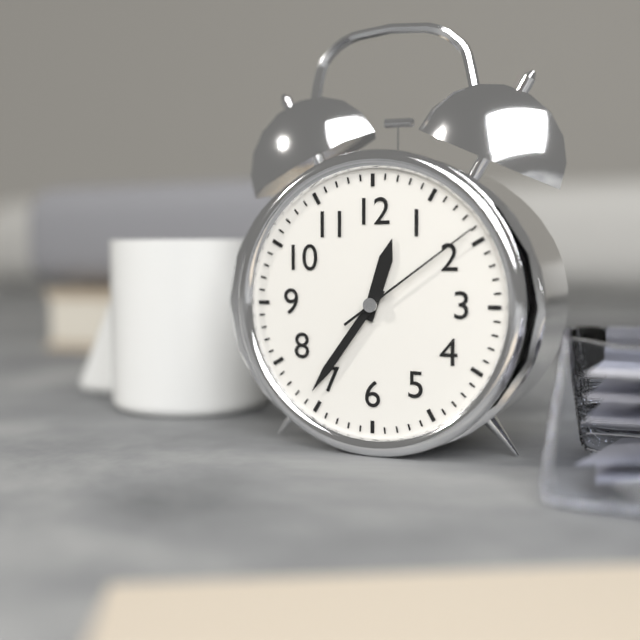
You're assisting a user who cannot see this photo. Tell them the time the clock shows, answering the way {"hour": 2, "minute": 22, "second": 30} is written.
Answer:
{"hour": 12, "minute": 36, "second": 9}
